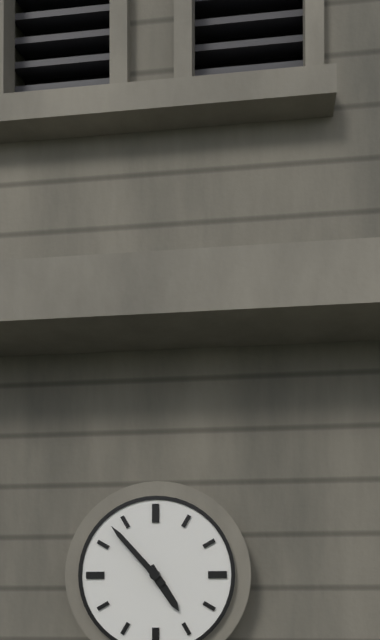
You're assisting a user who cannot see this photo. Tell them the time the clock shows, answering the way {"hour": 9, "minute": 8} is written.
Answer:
{"hour": 4, "minute": 53}
